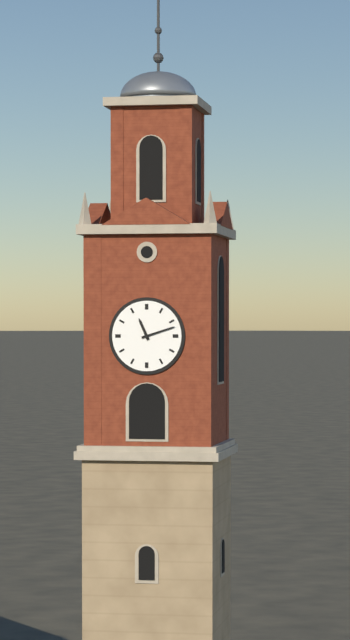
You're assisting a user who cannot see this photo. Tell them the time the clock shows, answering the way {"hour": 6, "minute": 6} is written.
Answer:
{"hour": 11, "minute": 12}
